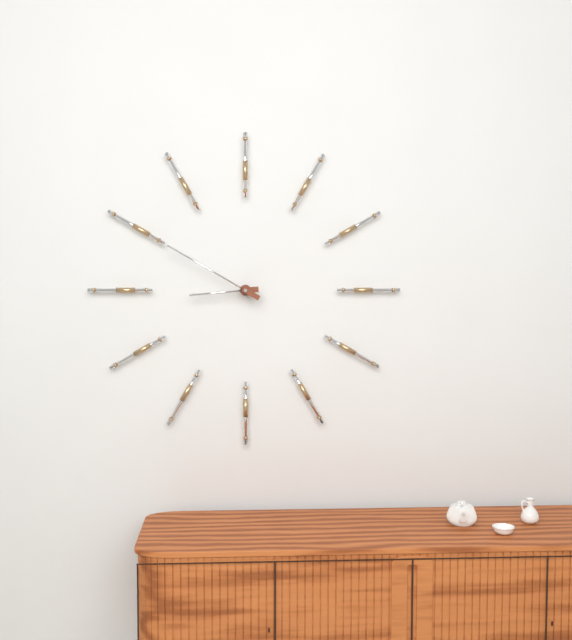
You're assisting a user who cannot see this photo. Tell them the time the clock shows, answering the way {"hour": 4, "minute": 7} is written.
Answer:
{"hour": 8, "minute": 50}
